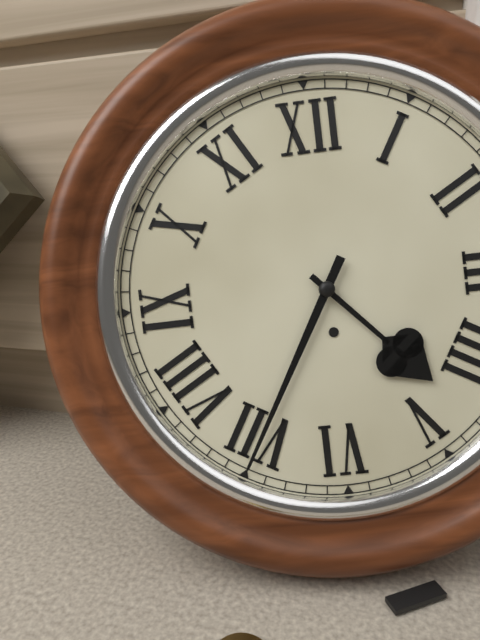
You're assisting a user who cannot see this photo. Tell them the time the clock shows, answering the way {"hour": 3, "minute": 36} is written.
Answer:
{"hour": 4, "minute": 35}
